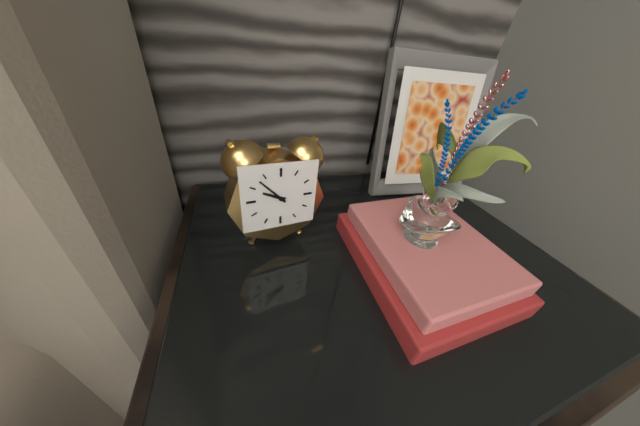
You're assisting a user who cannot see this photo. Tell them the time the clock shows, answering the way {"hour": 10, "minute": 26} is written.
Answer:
{"hour": 9, "minute": 53}
